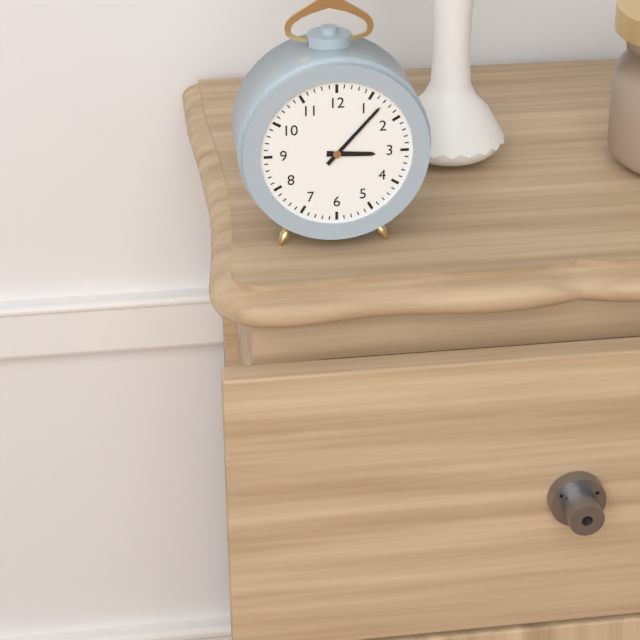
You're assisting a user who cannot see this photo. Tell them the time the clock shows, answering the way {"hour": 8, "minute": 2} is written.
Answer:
{"hour": 3, "minute": 7}
